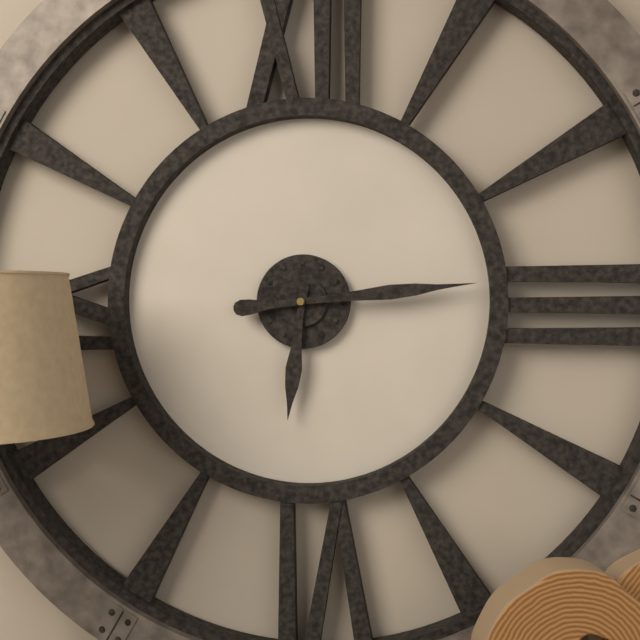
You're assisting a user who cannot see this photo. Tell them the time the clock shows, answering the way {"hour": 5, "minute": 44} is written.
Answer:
{"hour": 6, "minute": 14}
